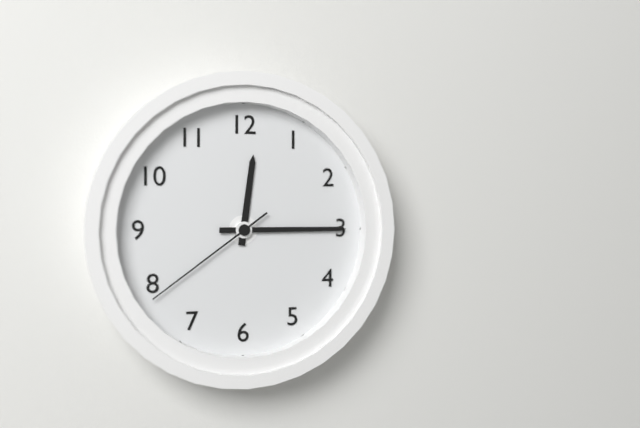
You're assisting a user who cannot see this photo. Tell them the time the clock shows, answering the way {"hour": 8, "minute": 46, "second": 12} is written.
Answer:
{"hour": 12, "minute": 15, "second": 39}
